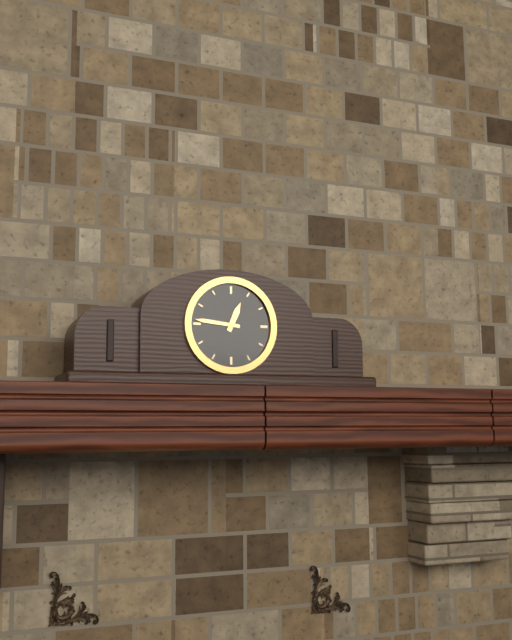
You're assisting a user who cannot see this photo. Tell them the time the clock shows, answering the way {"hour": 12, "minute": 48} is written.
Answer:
{"hour": 12, "minute": 46}
